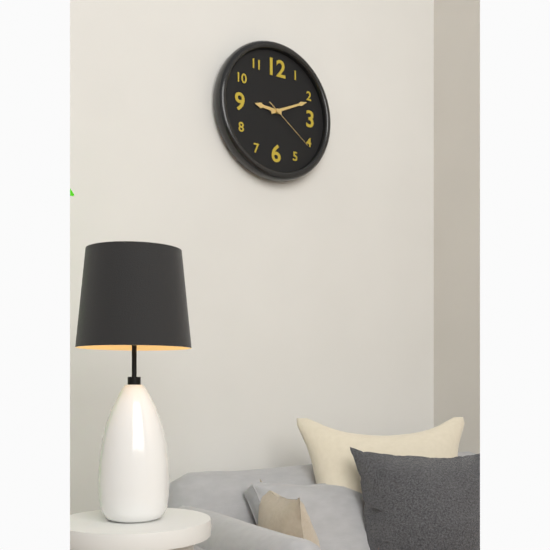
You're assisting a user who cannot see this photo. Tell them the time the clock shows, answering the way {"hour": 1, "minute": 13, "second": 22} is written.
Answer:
{"hour": 9, "minute": 11, "second": 21}
